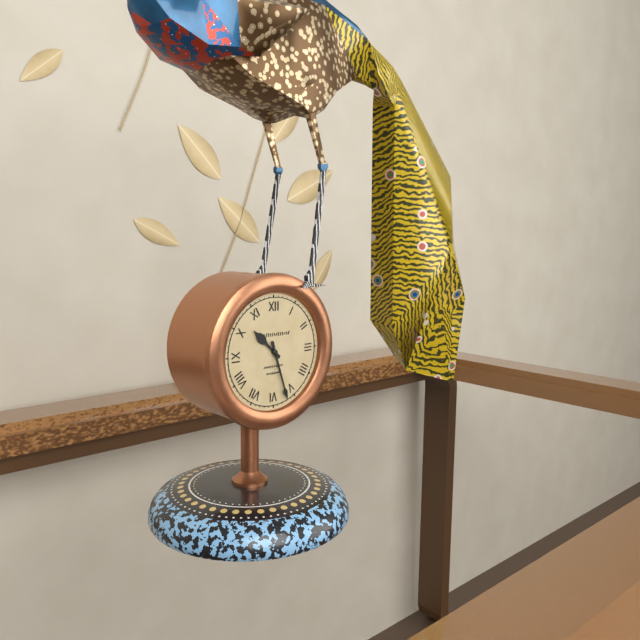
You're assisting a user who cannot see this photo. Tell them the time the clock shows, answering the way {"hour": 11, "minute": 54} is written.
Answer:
{"hour": 10, "minute": 27}
